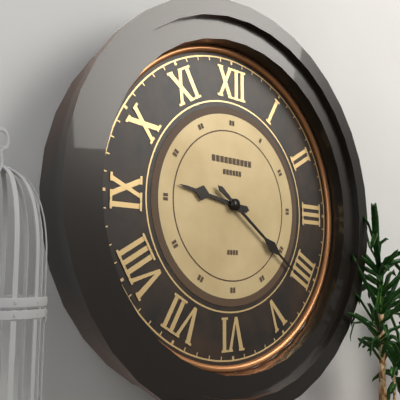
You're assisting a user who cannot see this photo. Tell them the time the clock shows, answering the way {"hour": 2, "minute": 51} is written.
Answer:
{"hour": 9, "minute": 21}
